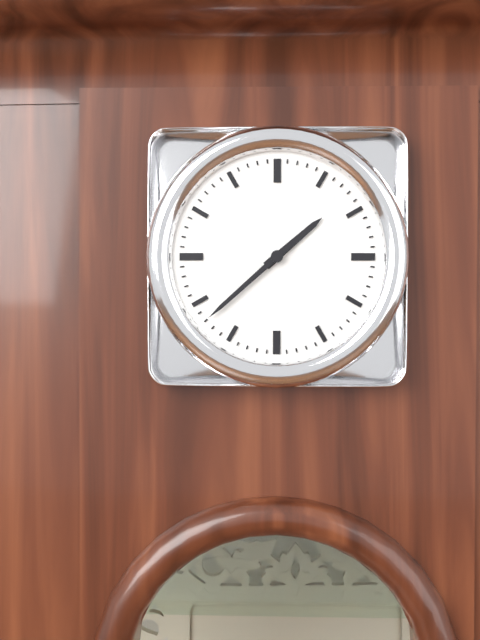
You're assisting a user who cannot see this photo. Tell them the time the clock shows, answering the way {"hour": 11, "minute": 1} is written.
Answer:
{"hour": 1, "minute": 38}
